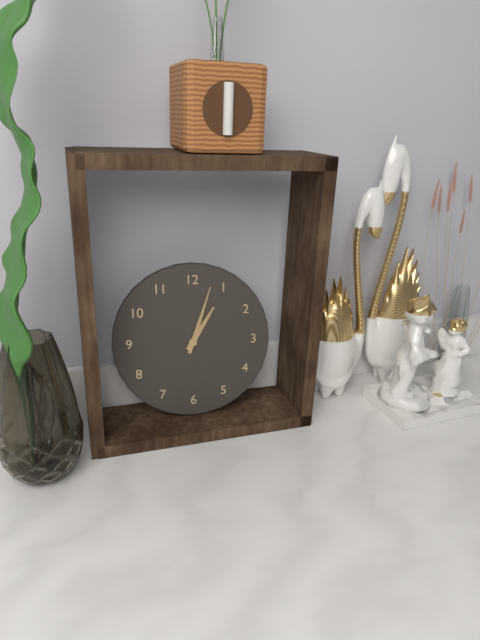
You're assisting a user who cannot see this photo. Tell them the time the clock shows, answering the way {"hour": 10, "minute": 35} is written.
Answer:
{"hour": 1, "minute": 3}
